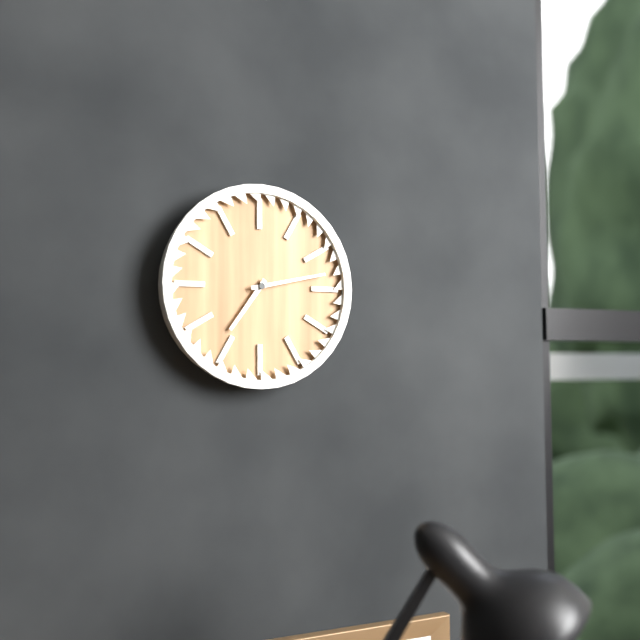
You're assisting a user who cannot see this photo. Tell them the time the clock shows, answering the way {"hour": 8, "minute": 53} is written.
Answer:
{"hour": 7, "minute": 13}
